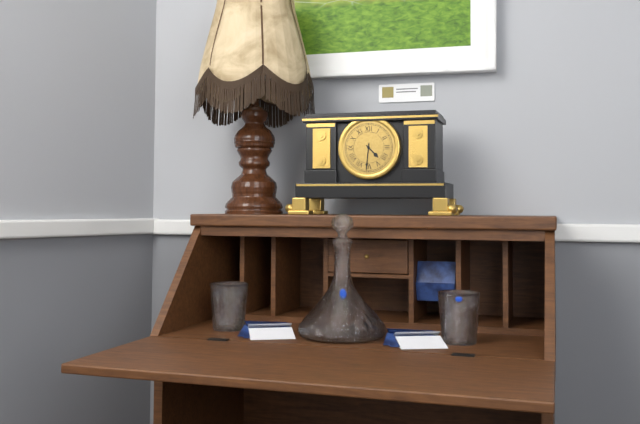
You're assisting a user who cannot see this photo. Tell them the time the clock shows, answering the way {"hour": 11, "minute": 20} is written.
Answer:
{"hour": 4, "minute": 31}
